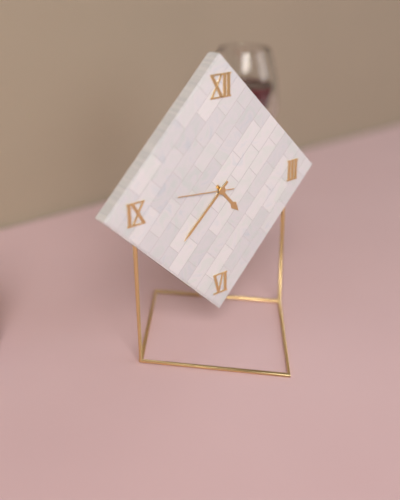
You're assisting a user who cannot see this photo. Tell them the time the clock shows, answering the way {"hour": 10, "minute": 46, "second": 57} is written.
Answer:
{"hour": 4, "minute": 38, "second": 46}
